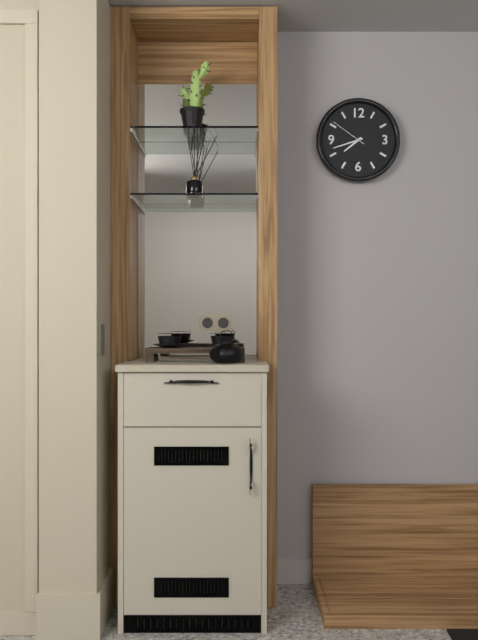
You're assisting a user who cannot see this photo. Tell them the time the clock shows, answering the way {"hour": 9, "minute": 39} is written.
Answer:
{"hour": 7, "minute": 42}
